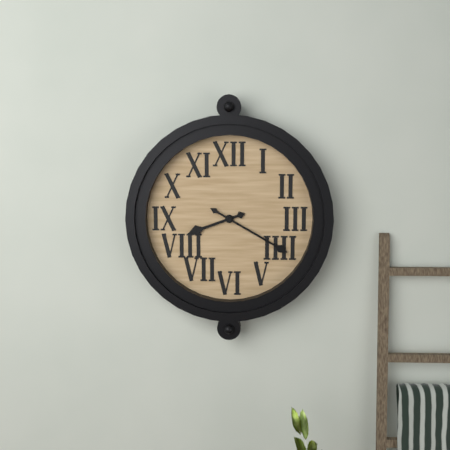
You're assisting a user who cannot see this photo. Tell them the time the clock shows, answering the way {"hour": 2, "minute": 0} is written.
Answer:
{"hour": 8, "minute": 20}
